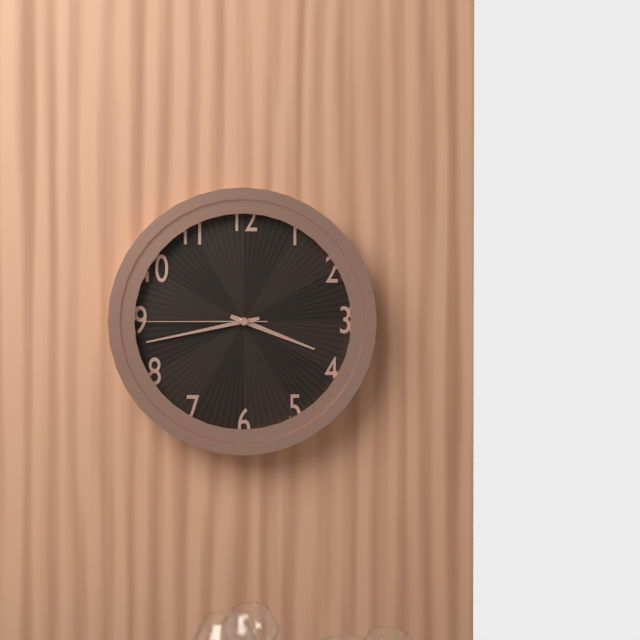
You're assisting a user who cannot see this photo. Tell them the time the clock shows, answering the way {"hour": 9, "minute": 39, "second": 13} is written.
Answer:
{"hour": 3, "minute": 43, "second": 45}
